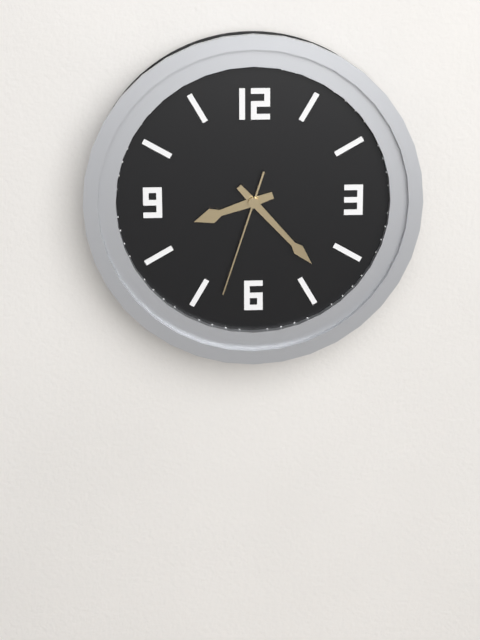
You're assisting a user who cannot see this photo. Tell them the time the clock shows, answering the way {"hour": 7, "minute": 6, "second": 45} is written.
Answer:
{"hour": 8, "minute": 23, "second": 33}
